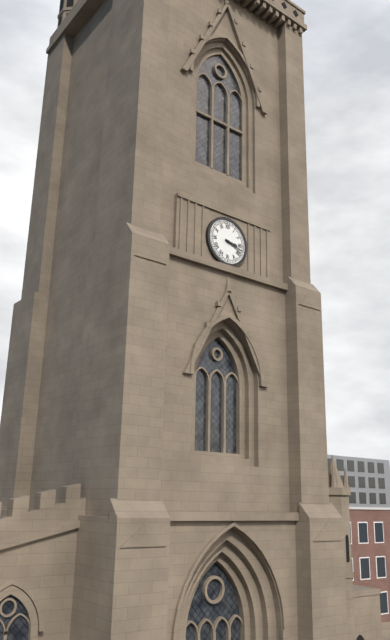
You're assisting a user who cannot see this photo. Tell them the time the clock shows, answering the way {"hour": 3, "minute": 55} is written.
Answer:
{"hour": 3, "minute": 18}
